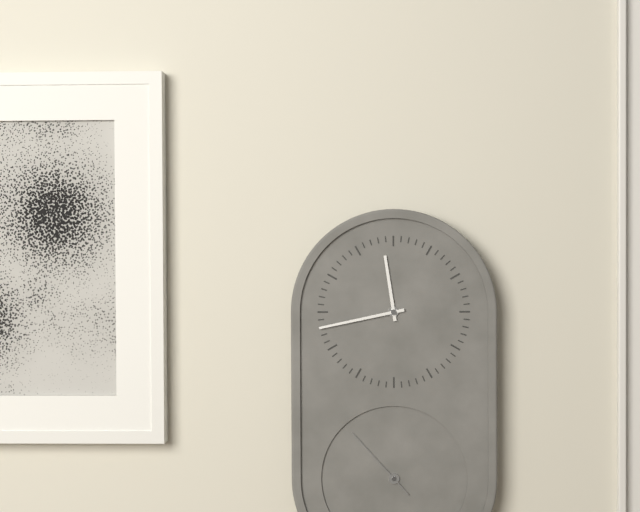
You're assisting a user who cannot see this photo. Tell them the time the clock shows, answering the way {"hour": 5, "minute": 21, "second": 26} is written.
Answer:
{"hour": 11, "minute": 43, "second": 53}
